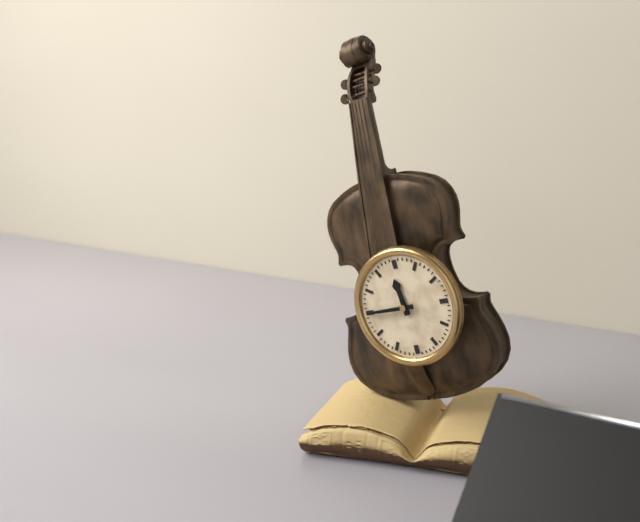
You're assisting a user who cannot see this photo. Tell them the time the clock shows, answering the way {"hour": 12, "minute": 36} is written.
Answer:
{"hour": 11, "minute": 45}
